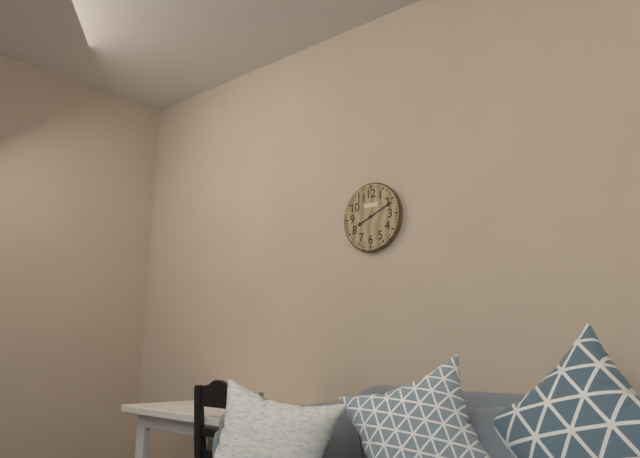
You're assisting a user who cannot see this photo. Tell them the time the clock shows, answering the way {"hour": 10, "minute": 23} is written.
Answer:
{"hour": 8, "minute": 11}
